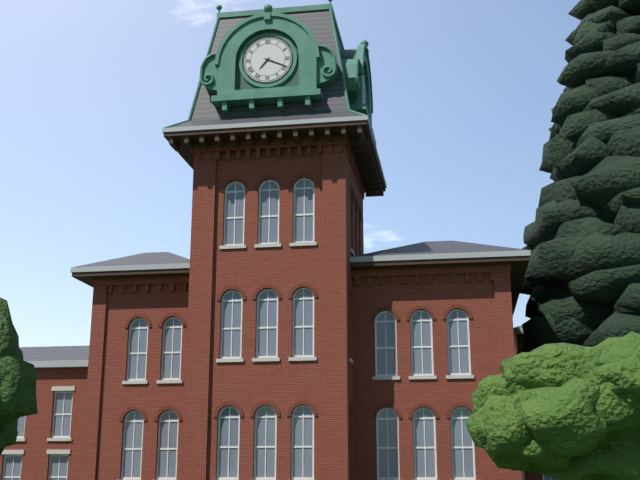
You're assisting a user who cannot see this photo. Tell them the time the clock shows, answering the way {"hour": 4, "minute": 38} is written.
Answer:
{"hour": 7, "minute": 19}
